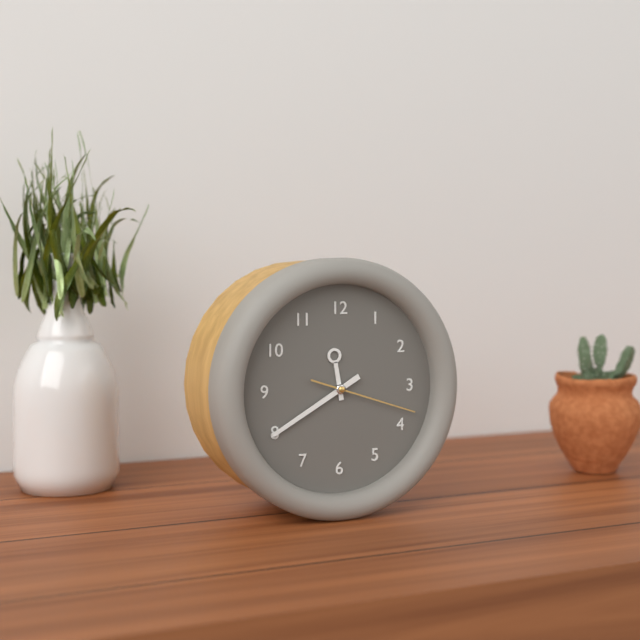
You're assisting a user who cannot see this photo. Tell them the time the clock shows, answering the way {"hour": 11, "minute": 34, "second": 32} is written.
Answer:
{"hour": 11, "minute": 40, "second": 18}
